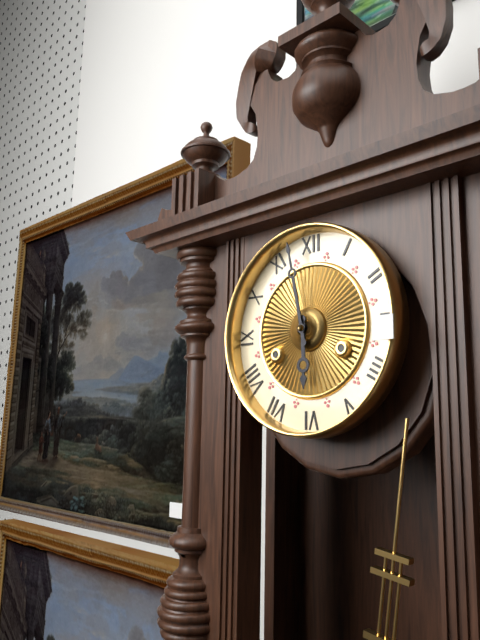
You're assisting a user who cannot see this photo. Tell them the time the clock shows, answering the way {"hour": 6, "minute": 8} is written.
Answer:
{"hour": 5, "minute": 58}
